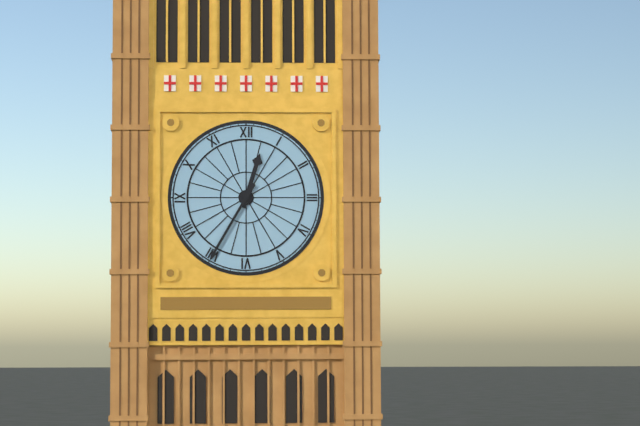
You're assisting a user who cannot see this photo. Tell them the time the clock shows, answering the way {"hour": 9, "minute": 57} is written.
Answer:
{"hour": 12, "minute": 35}
